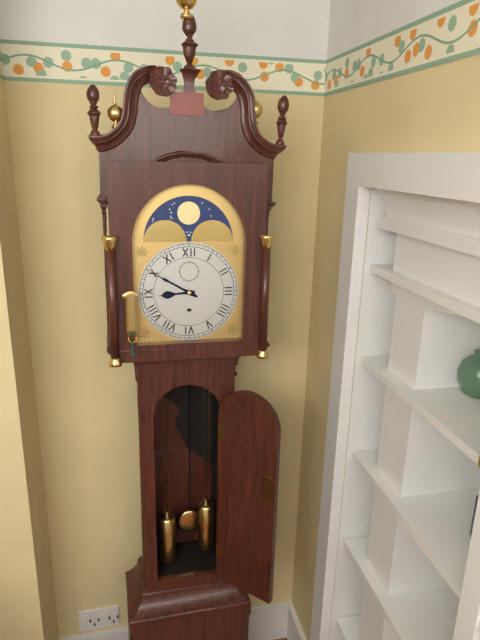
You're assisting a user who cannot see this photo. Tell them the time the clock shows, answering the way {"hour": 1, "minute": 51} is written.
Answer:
{"hour": 8, "minute": 50}
